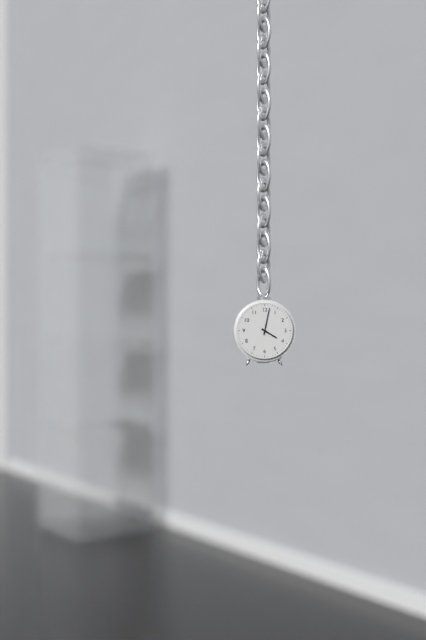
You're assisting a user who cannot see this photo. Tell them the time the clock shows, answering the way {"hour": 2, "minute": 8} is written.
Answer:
{"hour": 4, "minute": 2}
